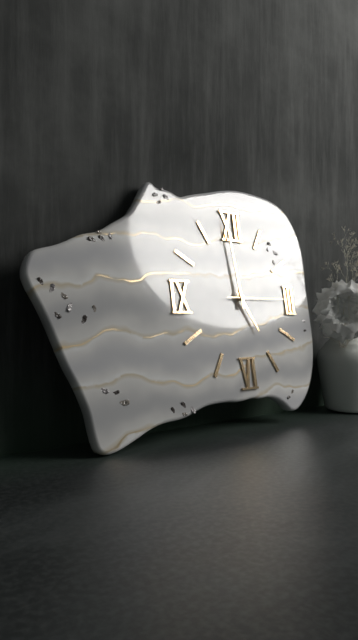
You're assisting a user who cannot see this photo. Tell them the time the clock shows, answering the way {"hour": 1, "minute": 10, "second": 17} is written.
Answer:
{"hour": 4, "minute": 59, "second": 15}
